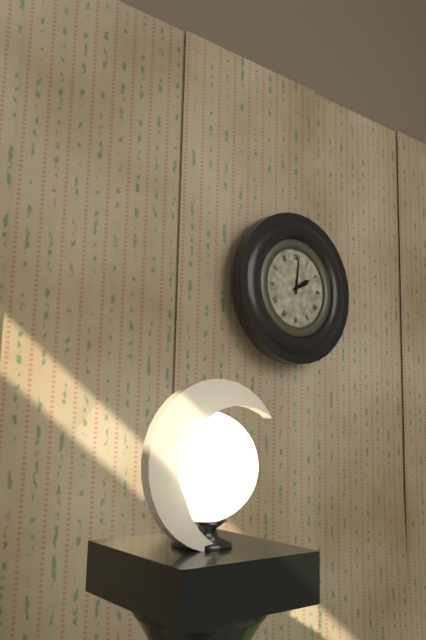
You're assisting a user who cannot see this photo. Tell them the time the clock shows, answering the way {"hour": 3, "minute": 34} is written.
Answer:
{"hour": 2, "minute": 1}
